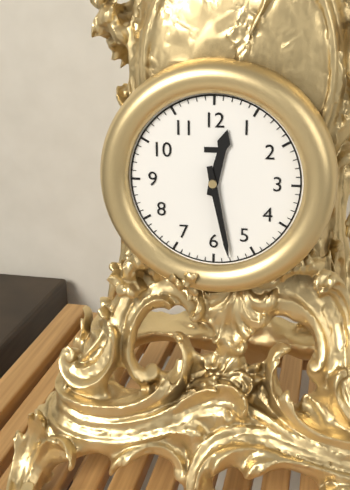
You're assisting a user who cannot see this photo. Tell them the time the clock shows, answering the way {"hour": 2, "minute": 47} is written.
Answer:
{"hour": 12, "minute": 28}
